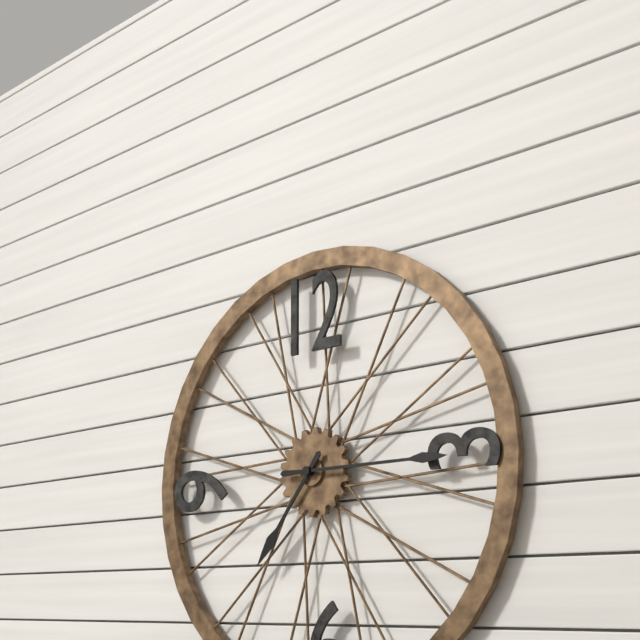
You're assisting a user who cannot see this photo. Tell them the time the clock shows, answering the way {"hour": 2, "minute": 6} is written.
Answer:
{"hour": 7, "minute": 15}
